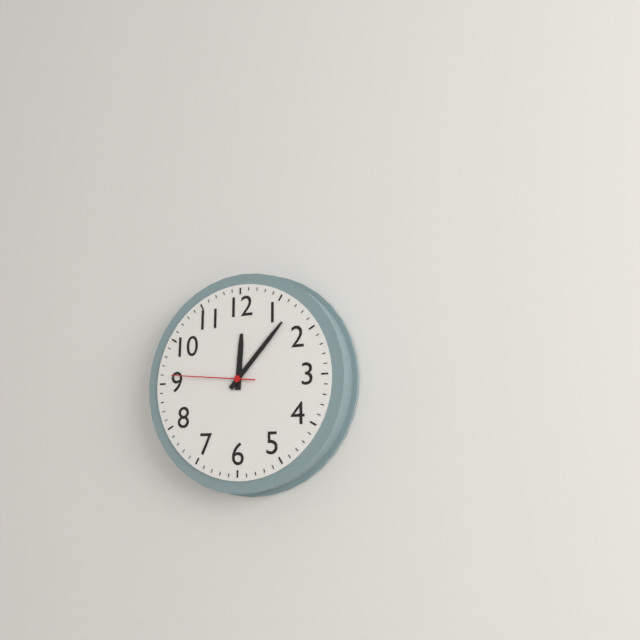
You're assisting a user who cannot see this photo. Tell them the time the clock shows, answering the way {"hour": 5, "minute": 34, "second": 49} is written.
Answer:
{"hour": 12, "minute": 7, "second": 46}
